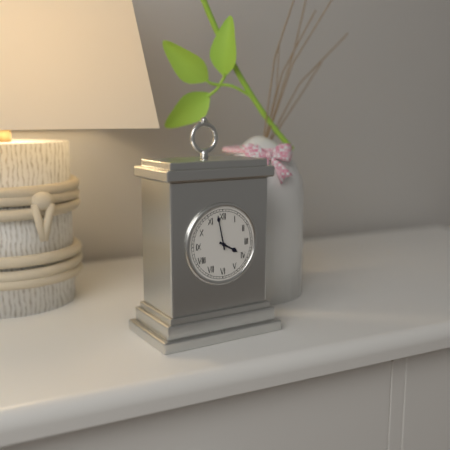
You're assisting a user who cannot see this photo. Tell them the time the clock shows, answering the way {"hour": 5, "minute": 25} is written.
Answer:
{"hour": 3, "minute": 58}
